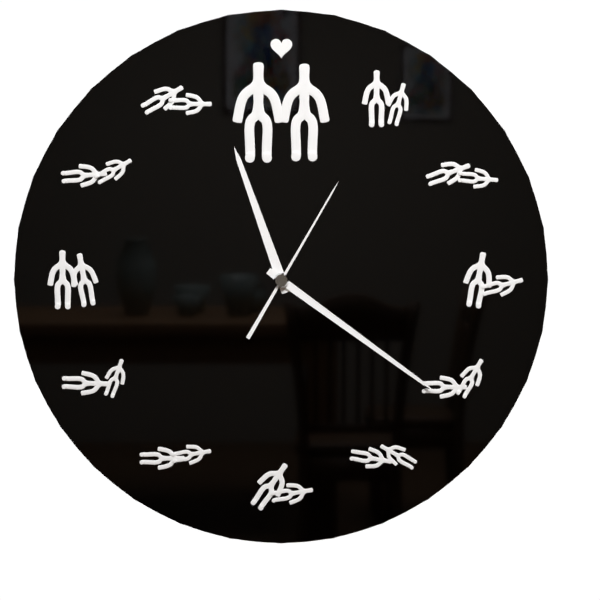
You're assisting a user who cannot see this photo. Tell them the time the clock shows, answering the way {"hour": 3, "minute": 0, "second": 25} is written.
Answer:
{"hour": 11, "minute": 21, "second": 5}
